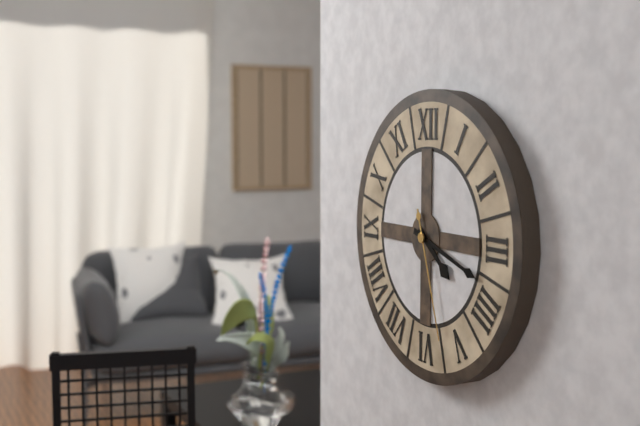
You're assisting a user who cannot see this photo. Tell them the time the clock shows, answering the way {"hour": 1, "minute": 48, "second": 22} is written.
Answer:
{"hour": 4, "minute": 18, "second": 27}
